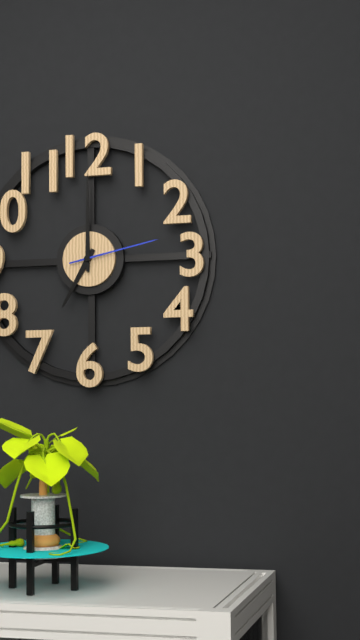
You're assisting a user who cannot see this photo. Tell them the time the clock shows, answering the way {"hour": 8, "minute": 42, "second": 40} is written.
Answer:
{"hour": 7, "minute": 0, "second": 13}
